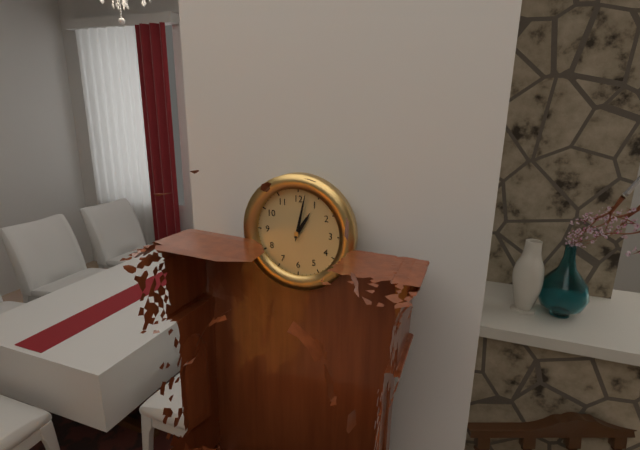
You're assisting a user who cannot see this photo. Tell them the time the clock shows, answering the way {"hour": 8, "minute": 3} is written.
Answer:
{"hour": 1, "minute": 2}
